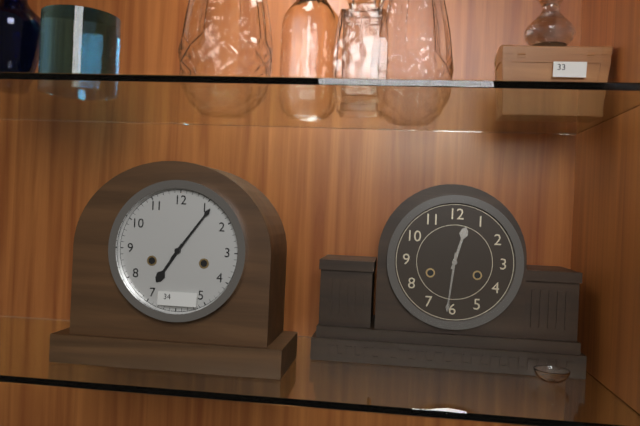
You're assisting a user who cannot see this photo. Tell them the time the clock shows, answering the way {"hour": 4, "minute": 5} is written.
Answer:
{"hour": 7, "minute": 6}
